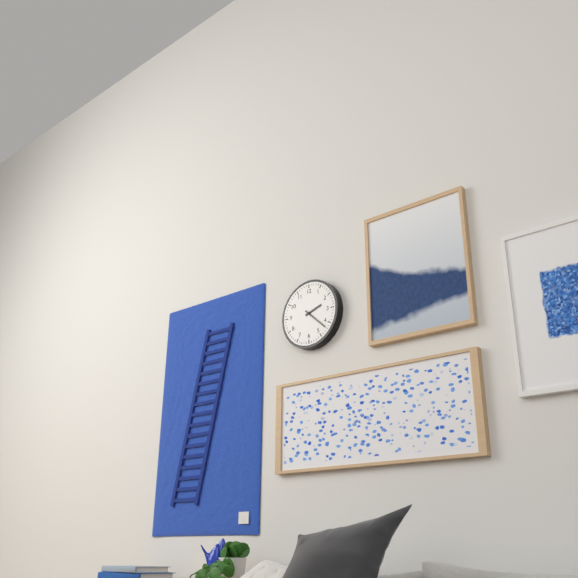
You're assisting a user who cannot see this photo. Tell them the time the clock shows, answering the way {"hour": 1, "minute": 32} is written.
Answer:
{"hour": 2, "minute": 22}
